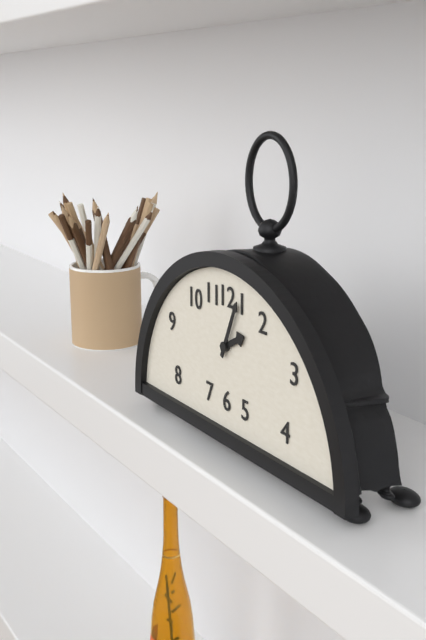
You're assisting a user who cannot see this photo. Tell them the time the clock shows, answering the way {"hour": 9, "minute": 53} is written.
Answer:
{"hour": 2, "minute": 4}
